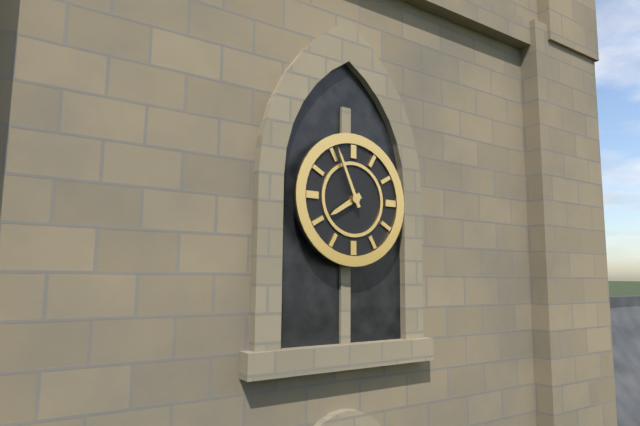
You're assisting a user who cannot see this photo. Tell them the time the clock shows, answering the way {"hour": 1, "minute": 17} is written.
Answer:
{"hour": 7, "minute": 56}
